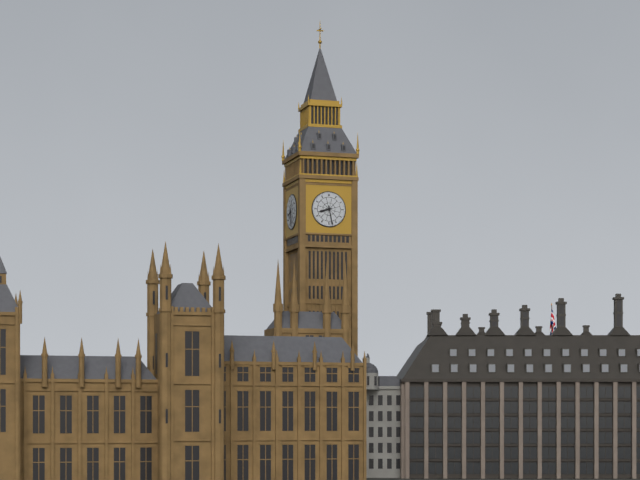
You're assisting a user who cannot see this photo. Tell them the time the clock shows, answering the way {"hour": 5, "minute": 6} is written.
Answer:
{"hour": 8, "minute": 28}
